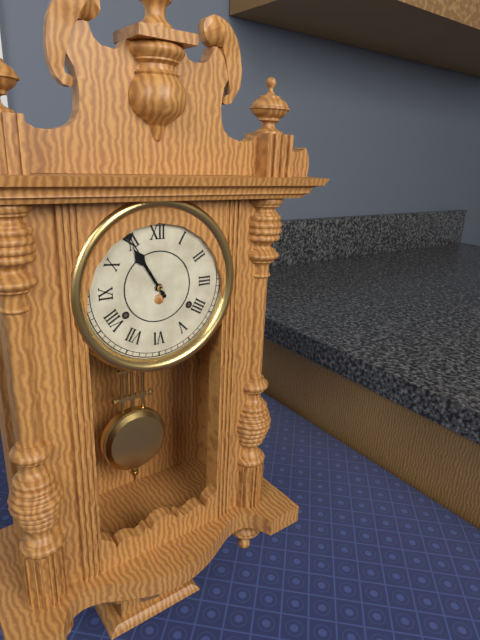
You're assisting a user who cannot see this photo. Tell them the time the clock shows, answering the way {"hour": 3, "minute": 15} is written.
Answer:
{"hour": 10, "minute": 55}
